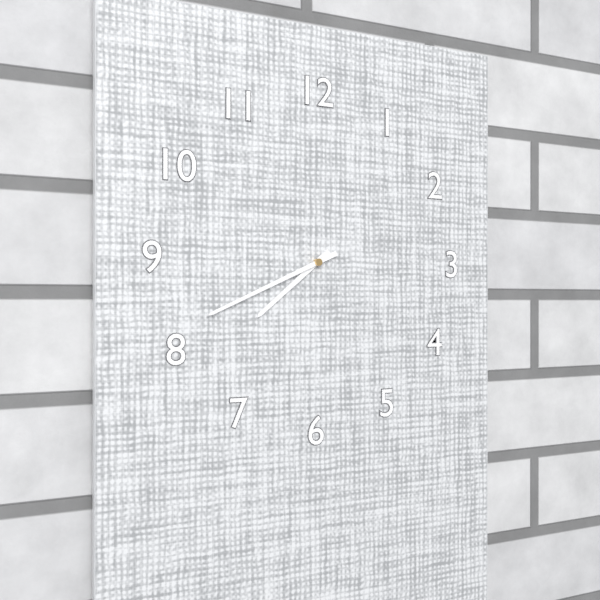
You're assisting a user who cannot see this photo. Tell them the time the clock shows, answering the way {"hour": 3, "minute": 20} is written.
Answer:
{"hour": 7, "minute": 41}
